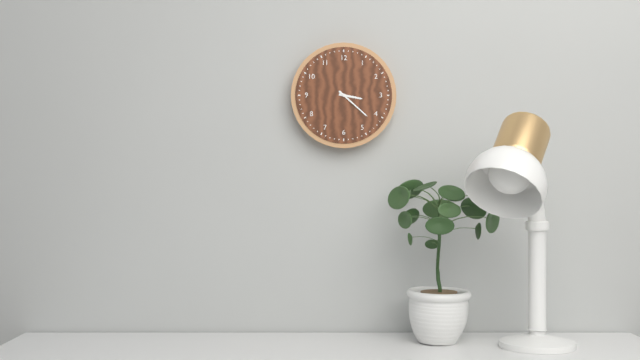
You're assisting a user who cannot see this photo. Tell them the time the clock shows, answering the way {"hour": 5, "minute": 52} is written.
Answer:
{"hour": 3, "minute": 22}
